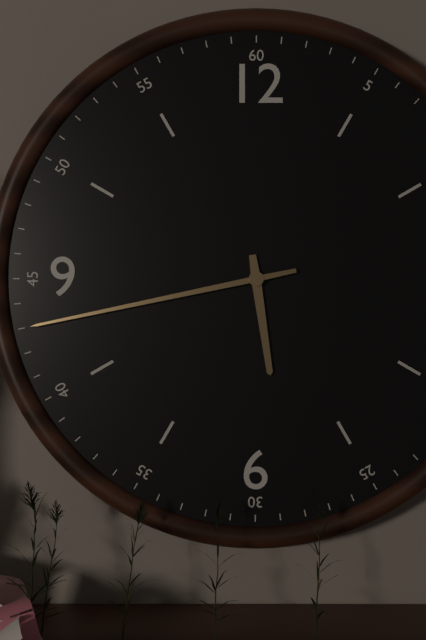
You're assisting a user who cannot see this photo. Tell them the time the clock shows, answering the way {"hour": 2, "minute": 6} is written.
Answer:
{"hour": 5, "minute": 43}
